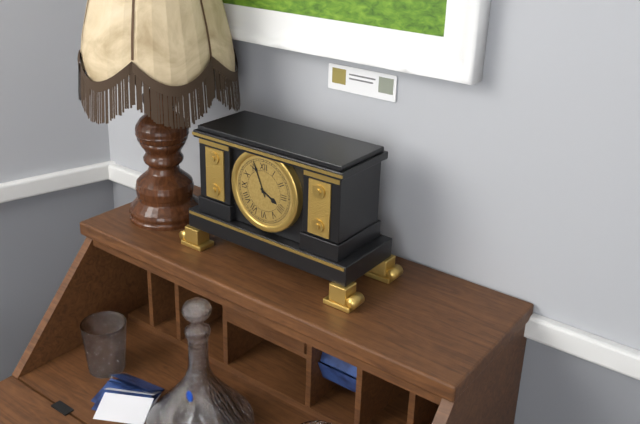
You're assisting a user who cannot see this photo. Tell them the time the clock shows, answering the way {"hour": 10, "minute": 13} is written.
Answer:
{"hour": 3, "minute": 56}
